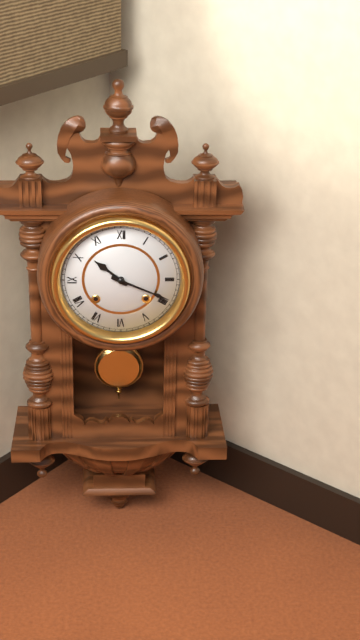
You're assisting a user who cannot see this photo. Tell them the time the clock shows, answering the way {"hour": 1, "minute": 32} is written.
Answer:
{"hour": 10, "minute": 19}
